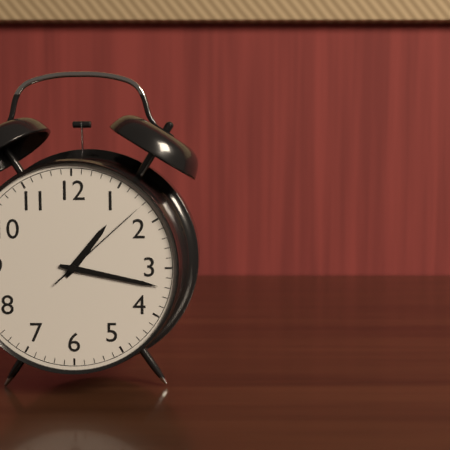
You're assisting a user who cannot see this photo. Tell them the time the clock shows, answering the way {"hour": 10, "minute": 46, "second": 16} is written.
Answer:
{"hour": 1, "minute": 17, "second": 8}
